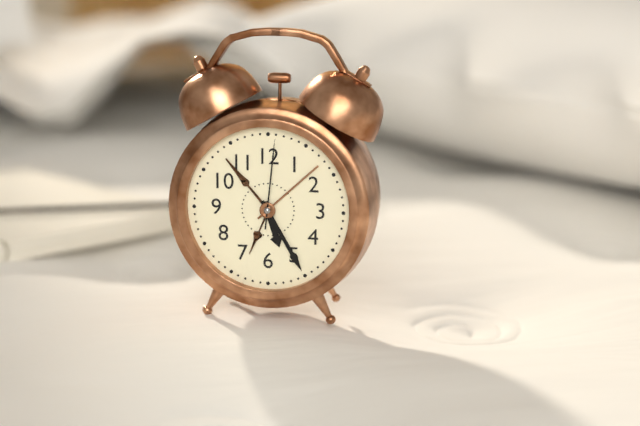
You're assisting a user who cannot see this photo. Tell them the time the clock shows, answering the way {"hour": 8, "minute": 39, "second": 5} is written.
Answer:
{"hour": 5, "minute": 25, "second": 1}
